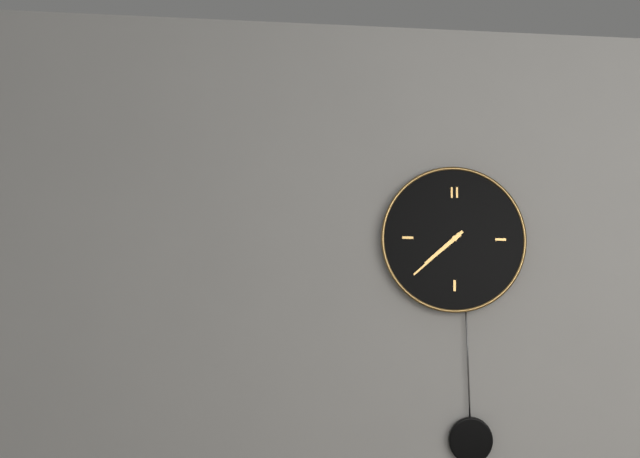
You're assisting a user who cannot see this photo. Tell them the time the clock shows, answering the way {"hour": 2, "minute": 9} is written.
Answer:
{"hour": 7, "minute": 38}
